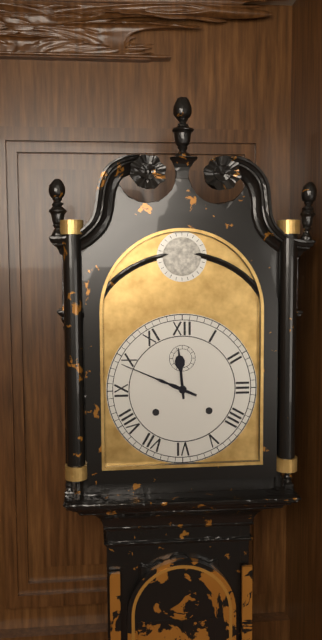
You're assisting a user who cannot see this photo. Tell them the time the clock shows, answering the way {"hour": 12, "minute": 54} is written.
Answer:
{"hour": 11, "minute": 49}
